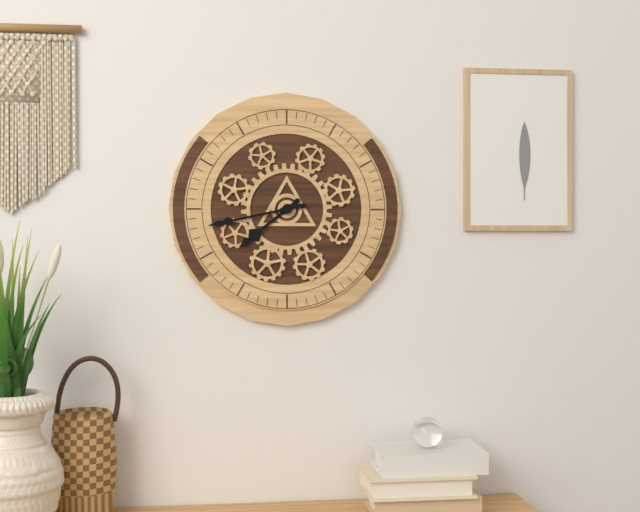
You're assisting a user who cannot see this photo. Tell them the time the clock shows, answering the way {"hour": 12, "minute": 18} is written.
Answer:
{"hour": 7, "minute": 43}
